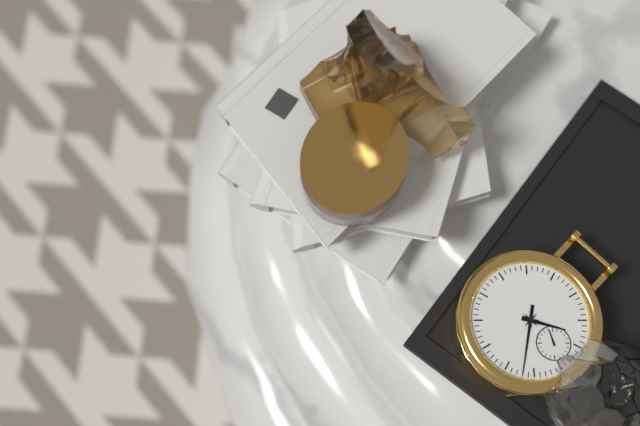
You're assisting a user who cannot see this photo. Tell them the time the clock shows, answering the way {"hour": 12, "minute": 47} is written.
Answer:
{"hour": 3, "minute": 32}
